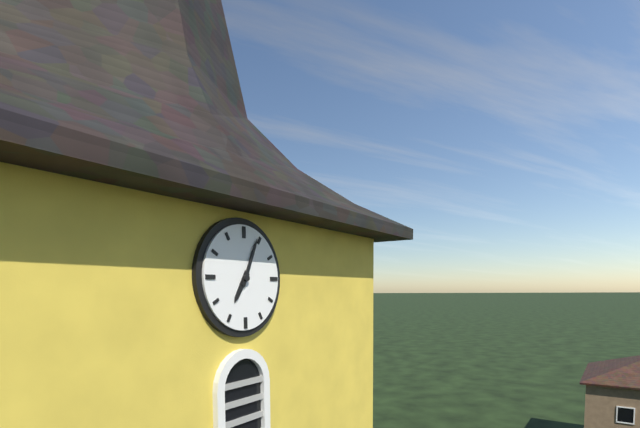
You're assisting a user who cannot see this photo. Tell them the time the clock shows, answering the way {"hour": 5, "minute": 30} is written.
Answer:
{"hour": 7, "minute": 4}
